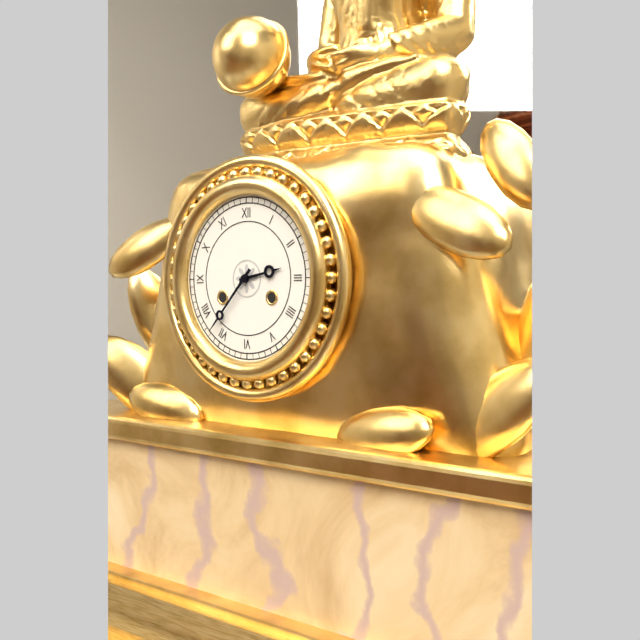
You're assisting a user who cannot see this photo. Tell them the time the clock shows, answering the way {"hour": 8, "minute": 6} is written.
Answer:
{"hour": 2, "minute": 37}
